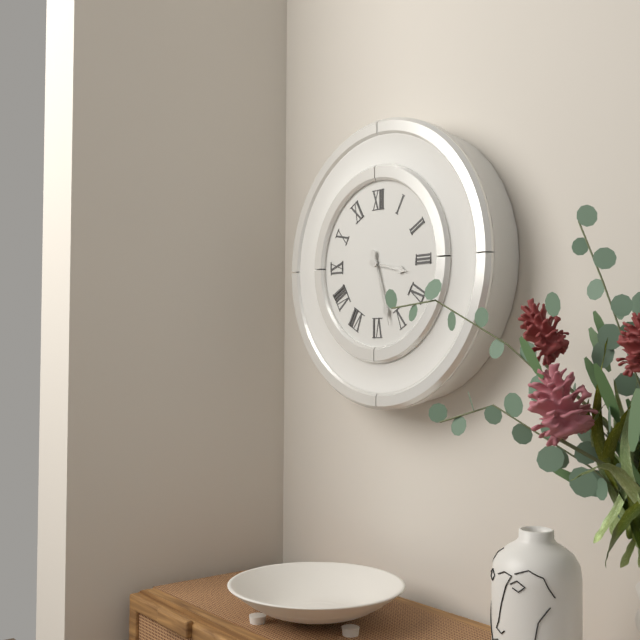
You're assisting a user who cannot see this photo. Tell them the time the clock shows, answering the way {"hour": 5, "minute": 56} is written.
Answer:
{"hour": 3, "minute": 27}
